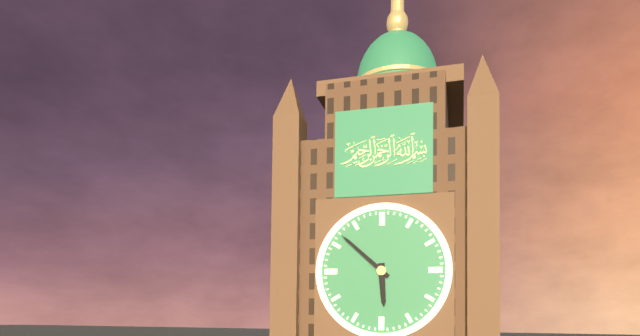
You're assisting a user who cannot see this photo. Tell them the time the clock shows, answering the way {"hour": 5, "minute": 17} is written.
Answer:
{"hour": 5, "minute": 52}
